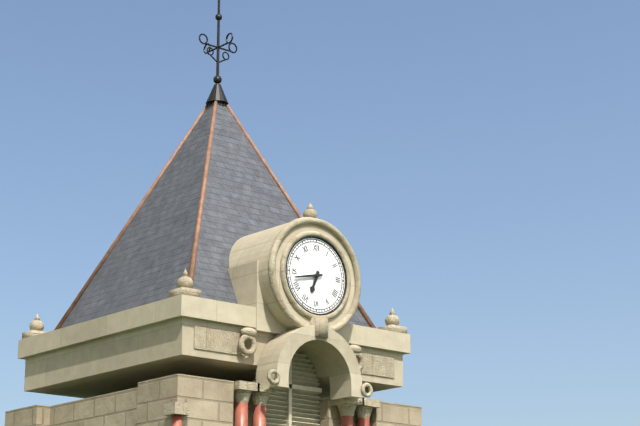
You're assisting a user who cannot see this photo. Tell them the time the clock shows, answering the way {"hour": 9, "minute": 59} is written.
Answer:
{"hour": 6, "minute": 43}
